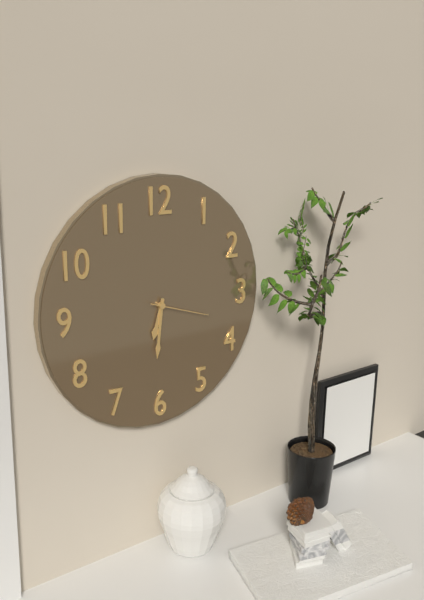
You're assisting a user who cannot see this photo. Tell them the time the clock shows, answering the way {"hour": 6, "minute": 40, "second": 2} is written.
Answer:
{"hour": 6, "minute": 31, "second": 18}
